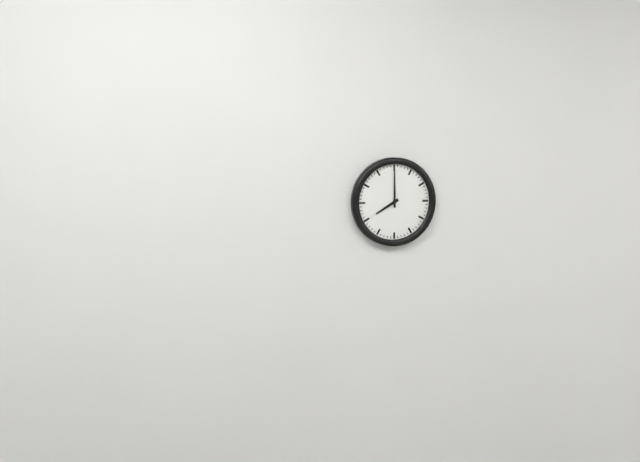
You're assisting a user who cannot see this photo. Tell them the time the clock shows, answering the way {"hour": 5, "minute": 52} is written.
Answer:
{"hour": 8, "minute": 0}
